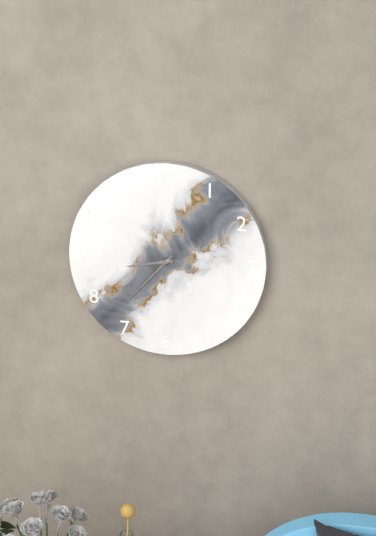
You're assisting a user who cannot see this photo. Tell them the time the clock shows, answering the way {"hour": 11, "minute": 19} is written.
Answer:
{"hour": 8, "minute": 37}
